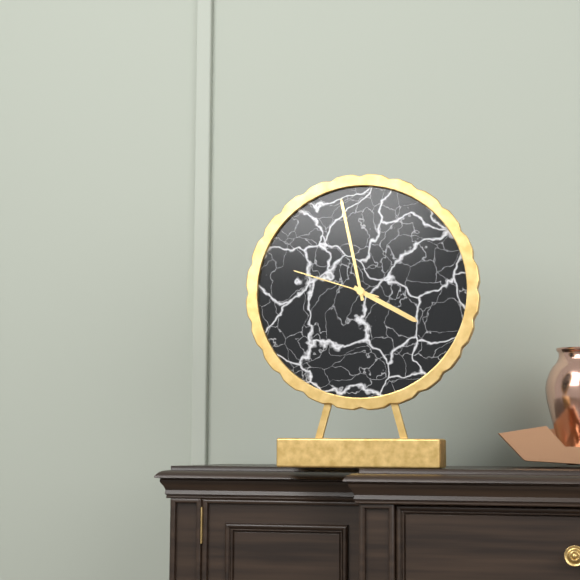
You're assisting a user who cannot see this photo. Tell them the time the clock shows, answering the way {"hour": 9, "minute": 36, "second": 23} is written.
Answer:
{"hour": 3, "minute": 58, "second": 48}
